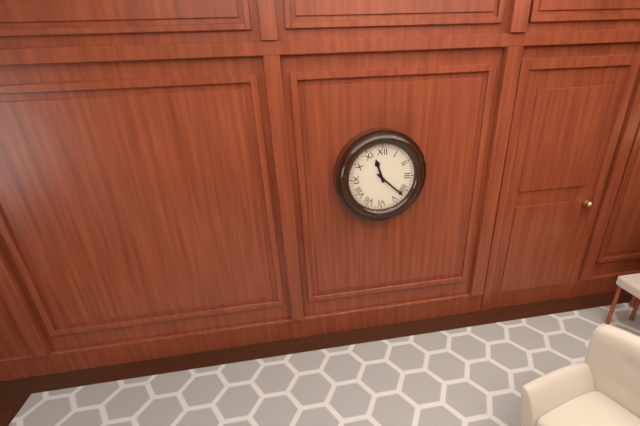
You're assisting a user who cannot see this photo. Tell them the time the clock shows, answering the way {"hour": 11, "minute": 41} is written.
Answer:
{"hour": 11, "minute": 22}
